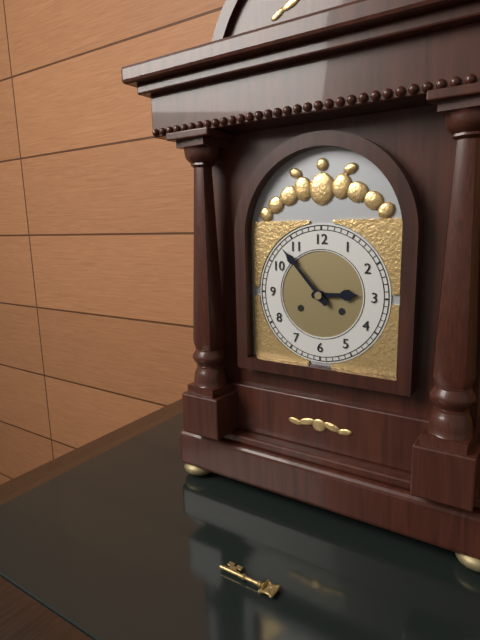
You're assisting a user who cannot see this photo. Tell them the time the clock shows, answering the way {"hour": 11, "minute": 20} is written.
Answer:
{"hour": 2, "minute": 53}
